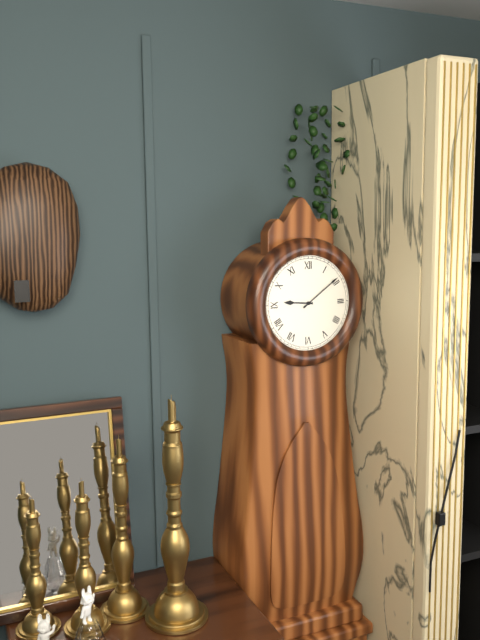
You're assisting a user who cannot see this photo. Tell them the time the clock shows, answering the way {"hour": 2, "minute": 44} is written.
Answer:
{"hour": 9, "minute": 9}
